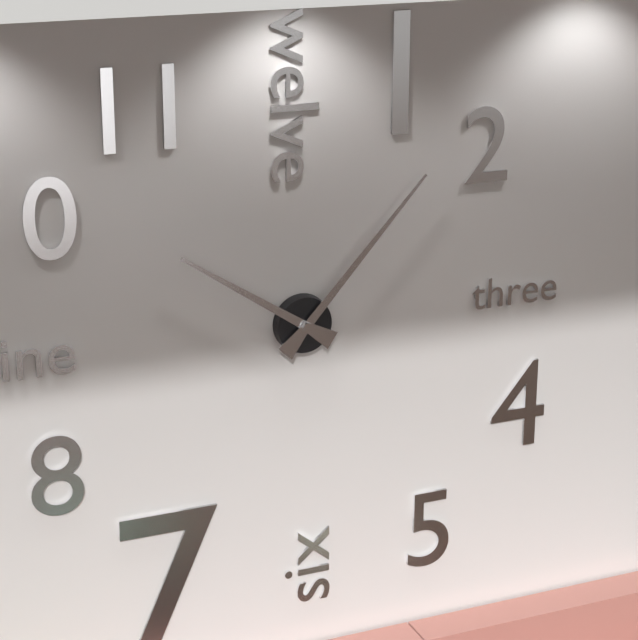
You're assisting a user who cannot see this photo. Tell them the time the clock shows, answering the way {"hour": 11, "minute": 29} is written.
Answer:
{"hour": 10, "minute": 7}
